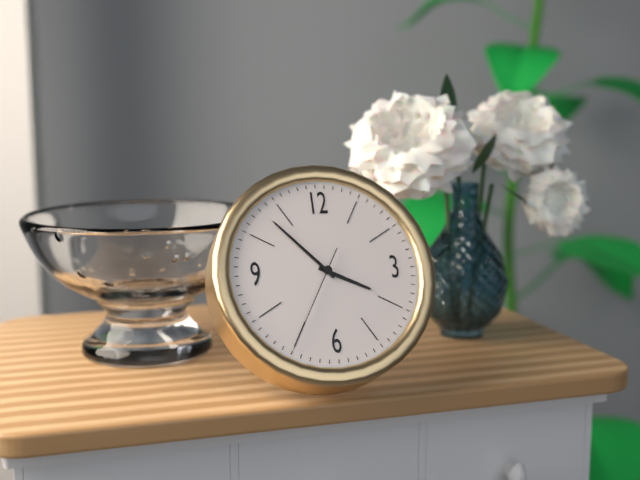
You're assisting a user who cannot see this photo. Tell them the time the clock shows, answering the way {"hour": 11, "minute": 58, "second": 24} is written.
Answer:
{"hour": 3, "minute": 53, "second": 35}
